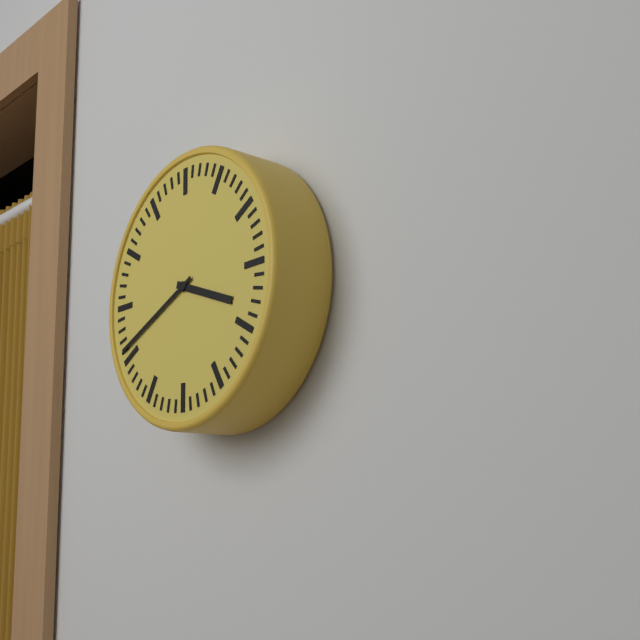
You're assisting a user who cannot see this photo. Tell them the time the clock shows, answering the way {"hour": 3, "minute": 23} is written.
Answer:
{"hour": 3, "minute": 41}
